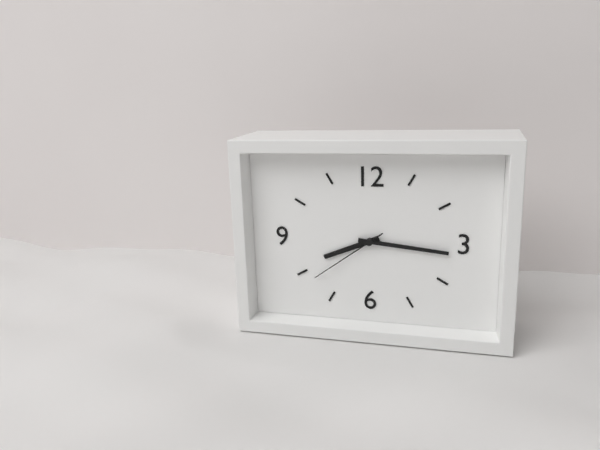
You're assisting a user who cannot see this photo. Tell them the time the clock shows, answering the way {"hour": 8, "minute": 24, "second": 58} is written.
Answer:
{"hour": 8, "minute": 16, "second": 39}
